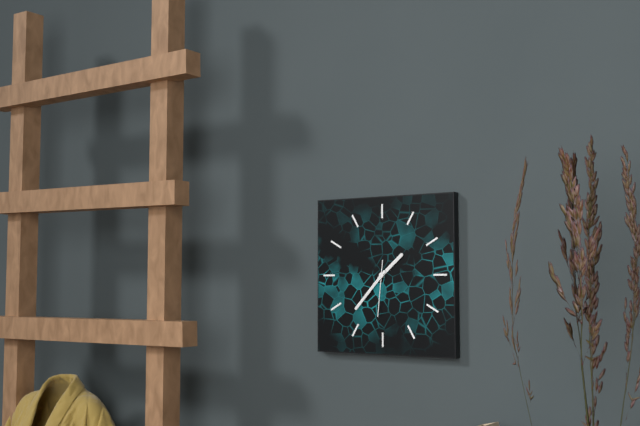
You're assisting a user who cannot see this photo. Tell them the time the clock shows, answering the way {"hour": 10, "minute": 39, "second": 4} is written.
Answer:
{"hour": 1, "minute": 37, "second": 31}
